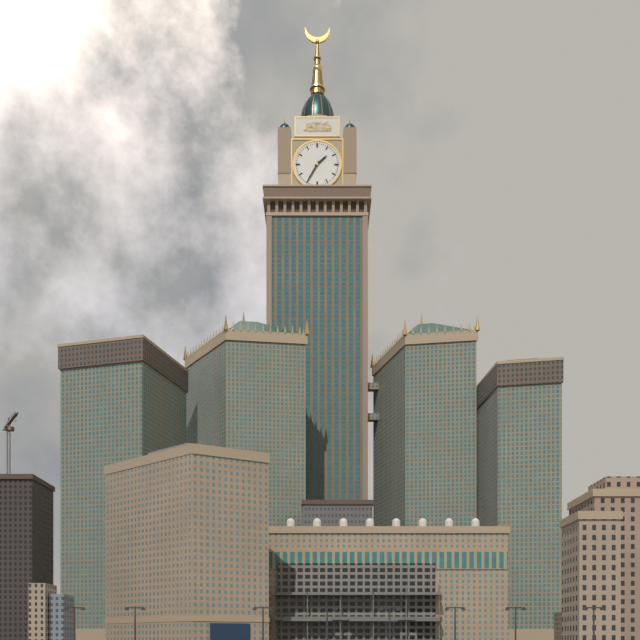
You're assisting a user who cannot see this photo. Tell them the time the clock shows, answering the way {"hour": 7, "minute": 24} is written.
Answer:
{"hour": 1, "minute": 35}
